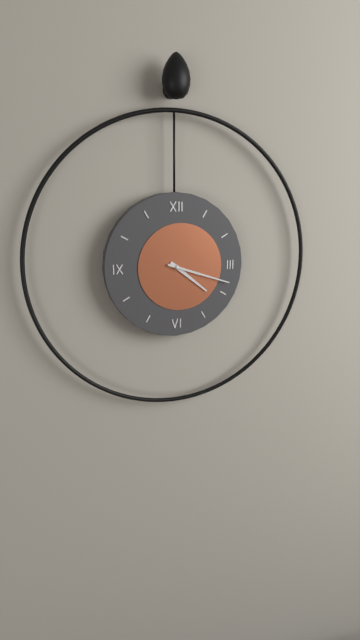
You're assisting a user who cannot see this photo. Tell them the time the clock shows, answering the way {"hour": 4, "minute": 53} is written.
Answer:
{"hour": 4, "minute": 18}
